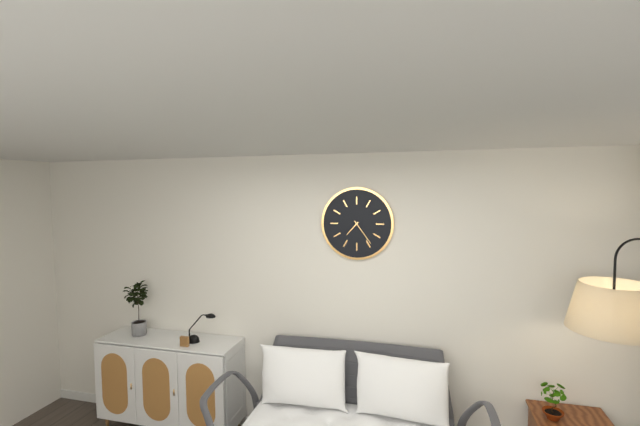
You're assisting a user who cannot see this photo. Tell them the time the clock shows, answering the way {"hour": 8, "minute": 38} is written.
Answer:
{"hour": 7, "minute": 24}
